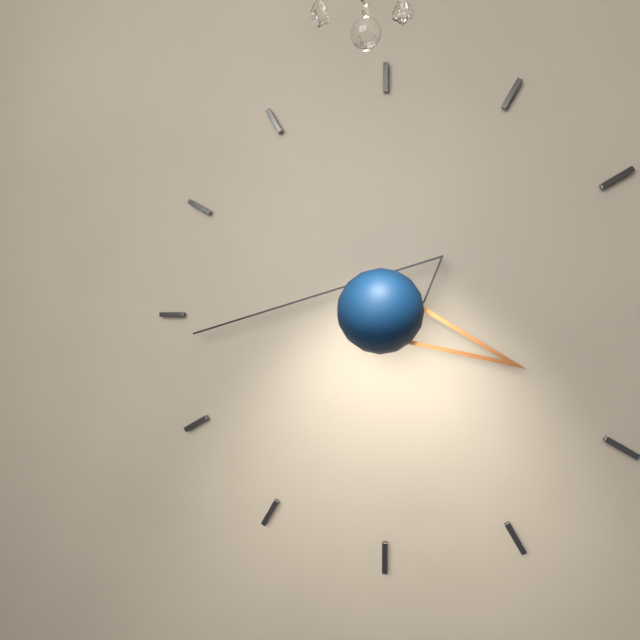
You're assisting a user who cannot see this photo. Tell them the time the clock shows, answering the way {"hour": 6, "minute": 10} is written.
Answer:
{"hour": 3, "minute": 44}
